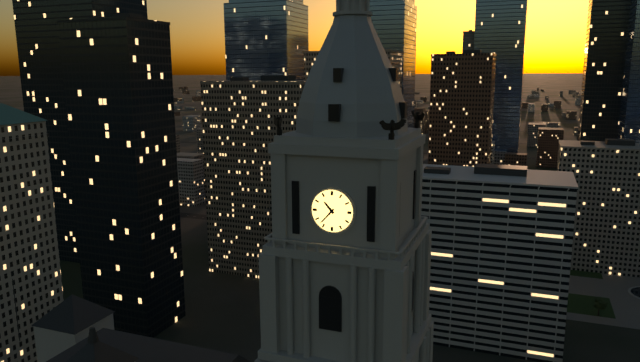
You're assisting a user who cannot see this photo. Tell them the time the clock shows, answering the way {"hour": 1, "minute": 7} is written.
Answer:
{"hour": 10, "minute": 37}
